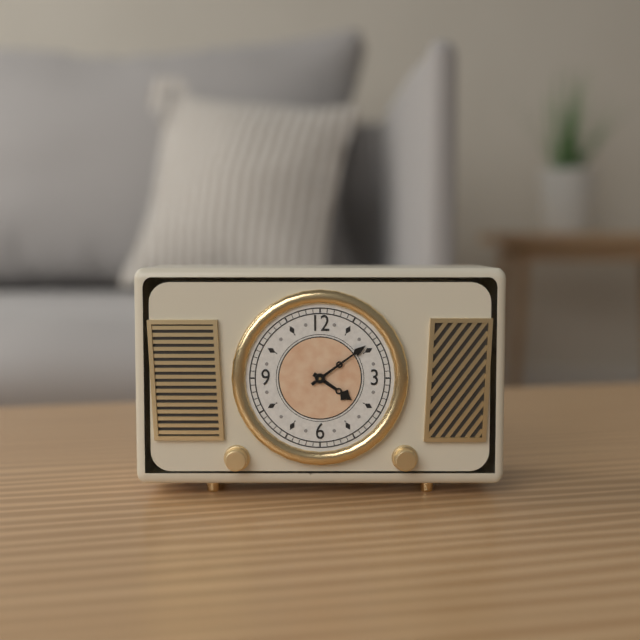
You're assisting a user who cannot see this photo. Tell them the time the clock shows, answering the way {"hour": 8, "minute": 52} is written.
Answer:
{"hour": 4, "minute": 9}
